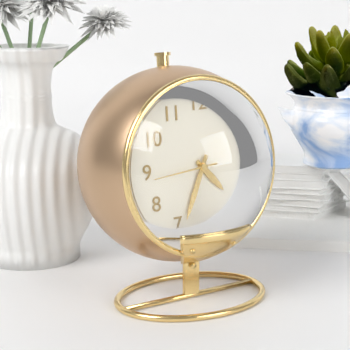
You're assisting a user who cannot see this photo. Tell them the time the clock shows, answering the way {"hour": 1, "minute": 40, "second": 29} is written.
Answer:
{"hour": 4, "minute": 34, "second": 44}
